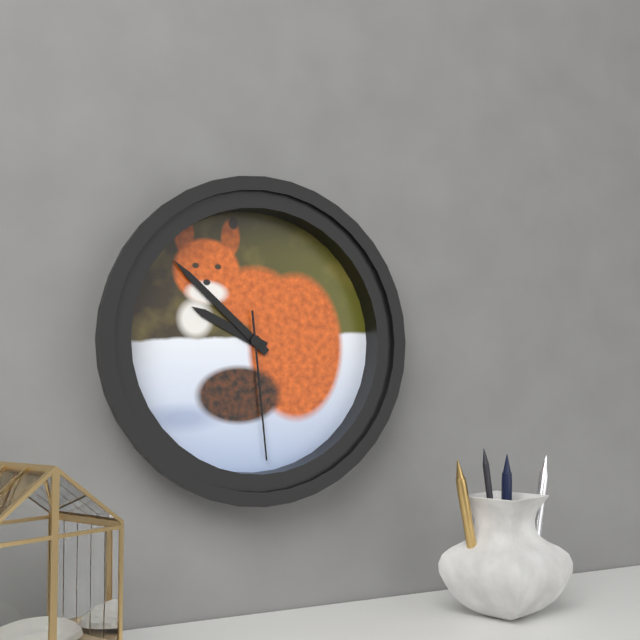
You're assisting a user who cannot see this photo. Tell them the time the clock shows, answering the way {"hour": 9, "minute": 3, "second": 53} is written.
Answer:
{"hour": 9, "minute": 52, "second": 29}
